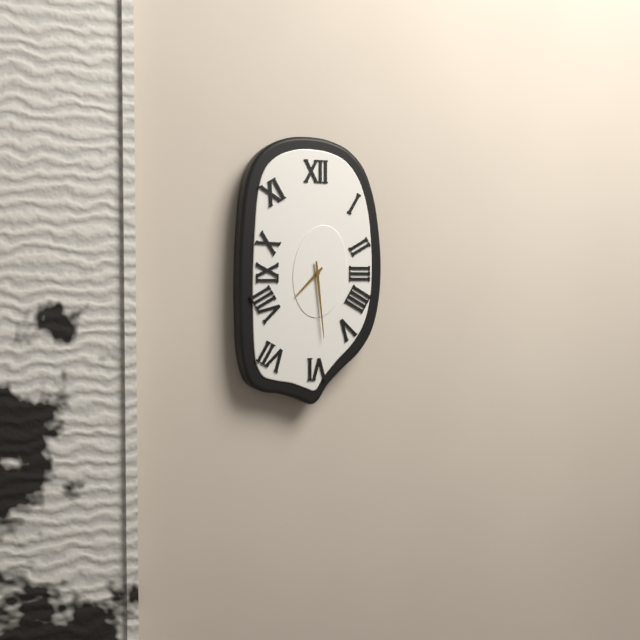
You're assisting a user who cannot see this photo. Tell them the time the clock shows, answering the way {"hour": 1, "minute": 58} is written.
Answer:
{"hour": 7, "minute": 29}
